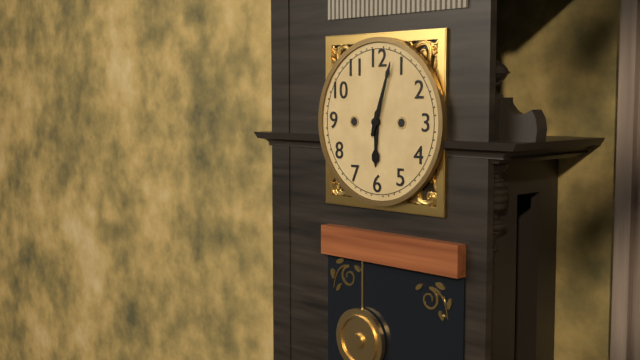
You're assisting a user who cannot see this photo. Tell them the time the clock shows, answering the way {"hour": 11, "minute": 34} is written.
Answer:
{"hour": 6, "minute": 3}
